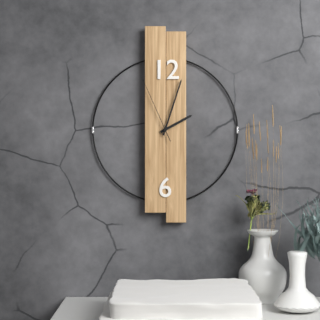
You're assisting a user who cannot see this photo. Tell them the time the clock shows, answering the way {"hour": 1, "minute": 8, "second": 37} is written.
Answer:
{"hour": 2, "minute": 3, "second": 56}
